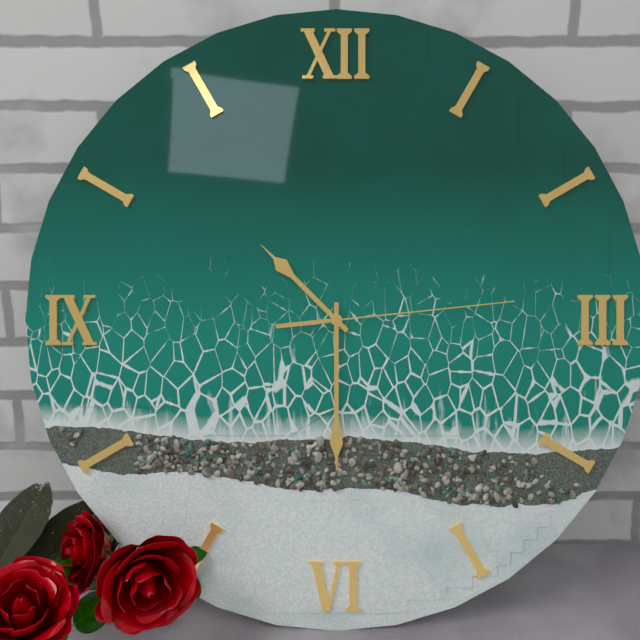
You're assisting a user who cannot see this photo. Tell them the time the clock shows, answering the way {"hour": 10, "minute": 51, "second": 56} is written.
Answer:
{"hour": 10, "minute": 30, "second": 14}
